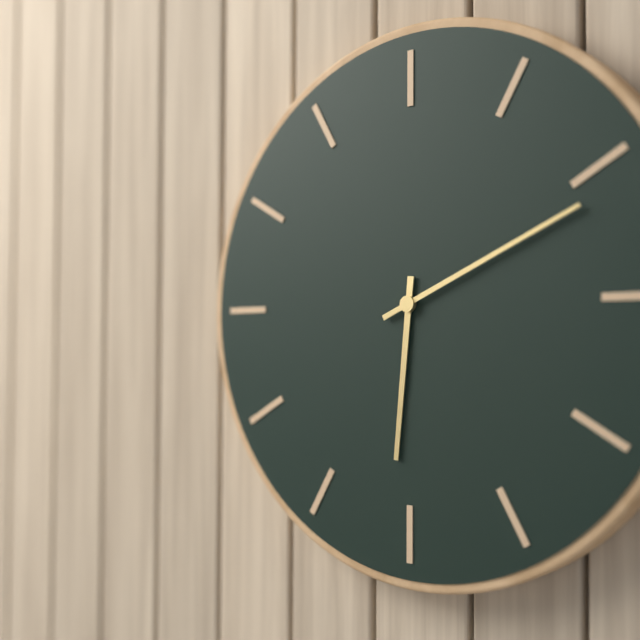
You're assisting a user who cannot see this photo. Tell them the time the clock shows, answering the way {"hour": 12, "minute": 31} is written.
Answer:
{"hour": 6, "minute": 11}
